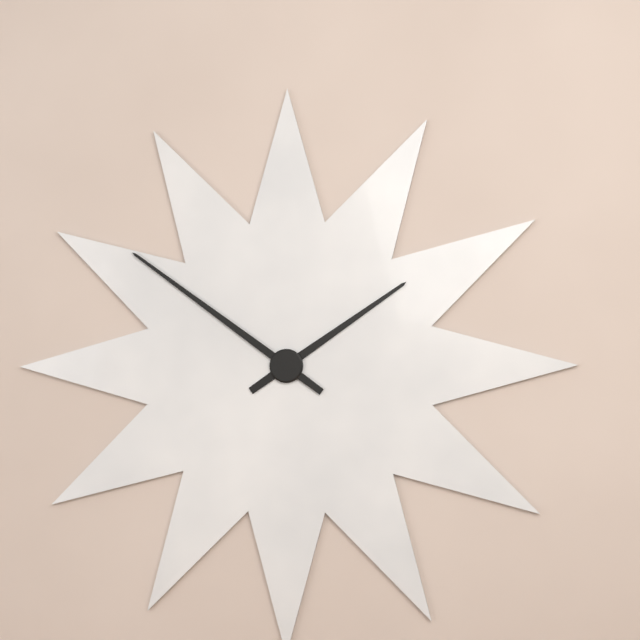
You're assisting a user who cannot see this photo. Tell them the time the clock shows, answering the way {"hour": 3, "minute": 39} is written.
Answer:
{"hour": 1, "minute": 51}
